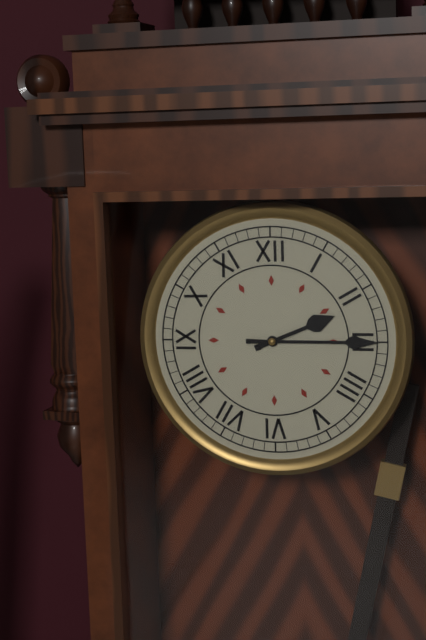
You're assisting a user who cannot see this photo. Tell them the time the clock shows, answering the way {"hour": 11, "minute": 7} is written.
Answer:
{"hour": 2, "minute": 15}
